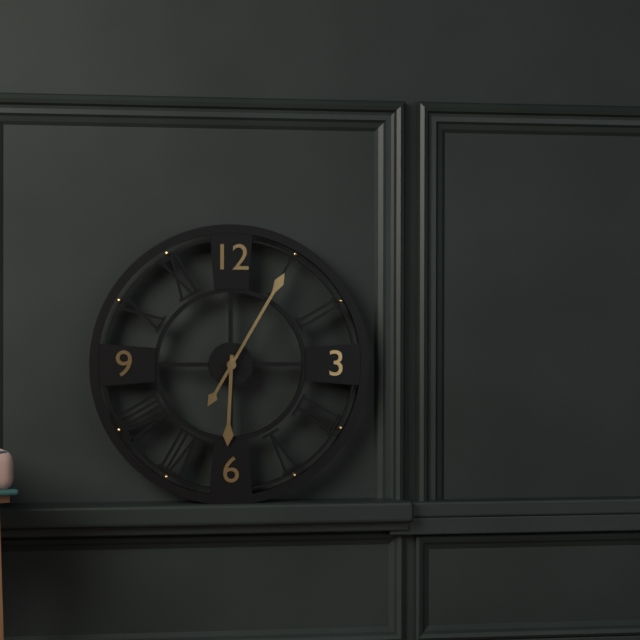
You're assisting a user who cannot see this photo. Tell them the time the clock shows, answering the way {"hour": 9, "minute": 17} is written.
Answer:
{"hour": 6, "minute": 5}
